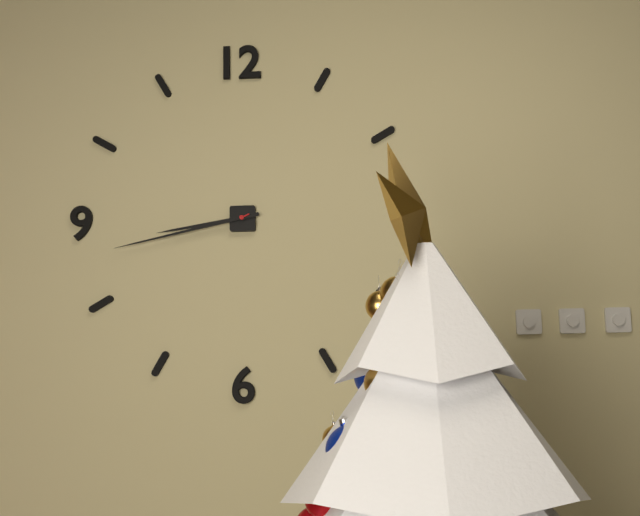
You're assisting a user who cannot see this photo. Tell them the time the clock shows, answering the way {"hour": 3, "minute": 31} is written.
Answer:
{"hour": 8, "minute": 43}
